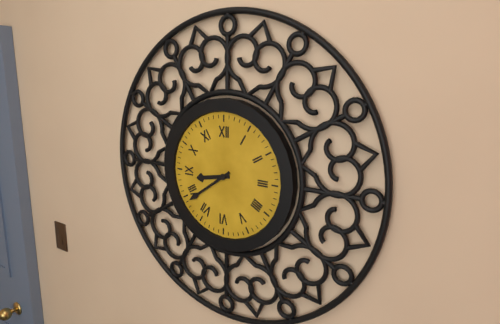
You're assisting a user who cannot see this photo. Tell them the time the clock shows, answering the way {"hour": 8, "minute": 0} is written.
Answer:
{"hour": 8, "minute": 39}
